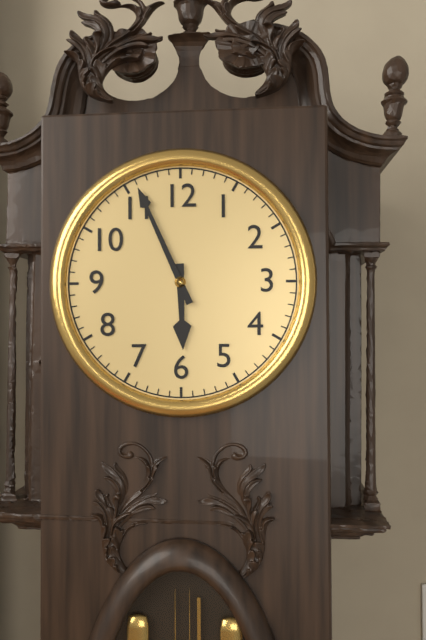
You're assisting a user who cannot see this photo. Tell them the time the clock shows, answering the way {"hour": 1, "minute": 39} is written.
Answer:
{"hour": 5, "minute": 56}
